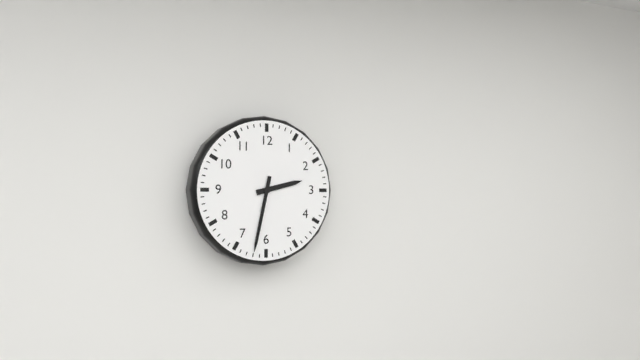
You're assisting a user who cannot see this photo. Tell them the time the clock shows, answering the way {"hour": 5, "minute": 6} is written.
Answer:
{"hour": 2, "minute": 32}
